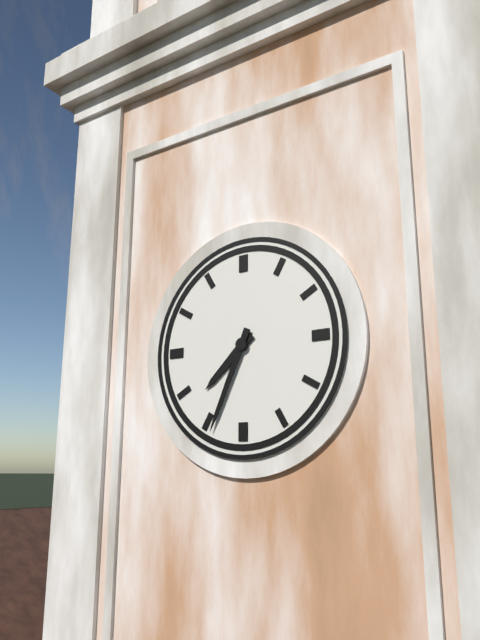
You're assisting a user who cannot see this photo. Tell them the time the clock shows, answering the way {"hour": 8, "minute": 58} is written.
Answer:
{"hour": 7, "minute": 34}
